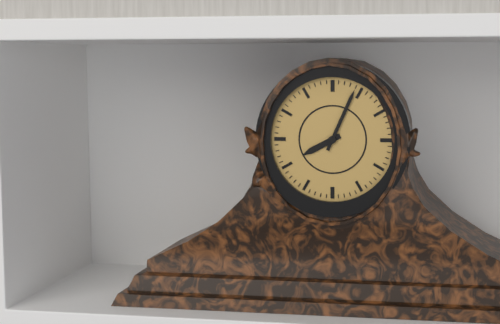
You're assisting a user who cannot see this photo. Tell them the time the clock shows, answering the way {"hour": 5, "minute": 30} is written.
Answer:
{"hour": 8, "minute": 4}
